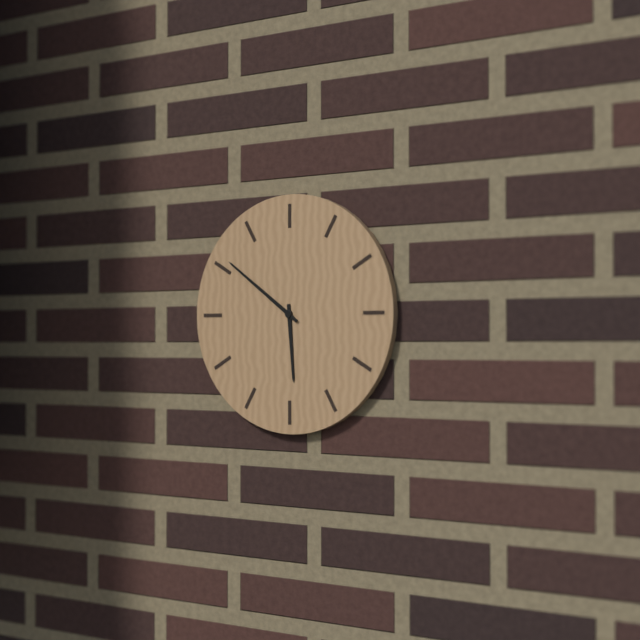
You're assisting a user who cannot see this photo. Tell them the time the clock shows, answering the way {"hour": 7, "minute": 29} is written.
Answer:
{"hour": 5, "minute": 51}
